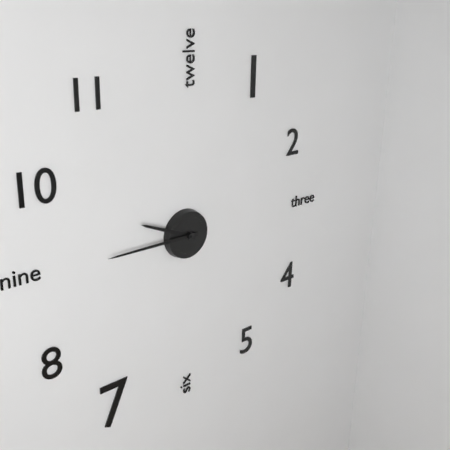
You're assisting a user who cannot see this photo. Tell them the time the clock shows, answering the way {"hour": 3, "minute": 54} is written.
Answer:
{"hour": 9, "minute": 45}
